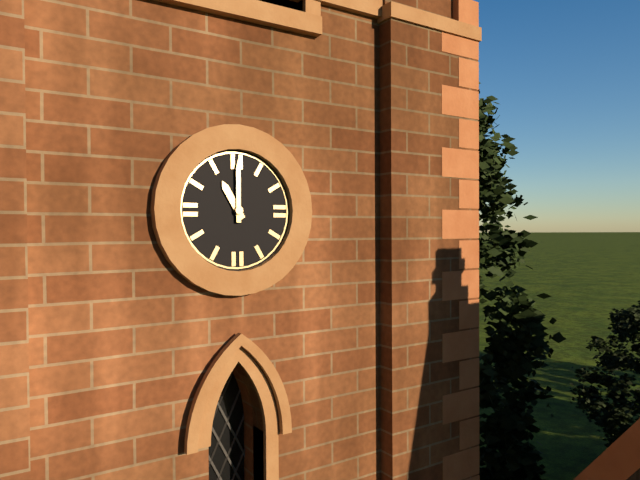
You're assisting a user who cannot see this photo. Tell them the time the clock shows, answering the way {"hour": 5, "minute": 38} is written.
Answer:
{"hour": 11, "minute": 0}
